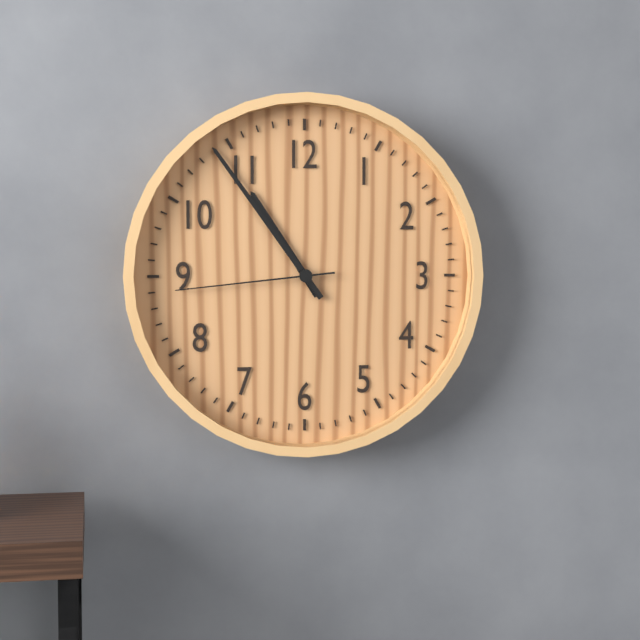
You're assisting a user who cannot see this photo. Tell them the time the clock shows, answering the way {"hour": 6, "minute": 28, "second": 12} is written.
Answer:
{"hour": 10, "minute": 54, "second": 44}
